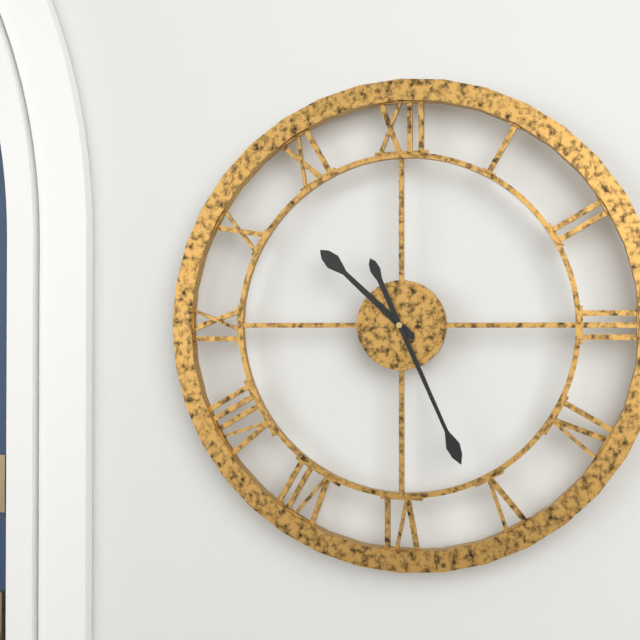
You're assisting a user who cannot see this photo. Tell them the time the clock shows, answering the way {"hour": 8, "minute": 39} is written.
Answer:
{"hour": 10, "minute": 26}
